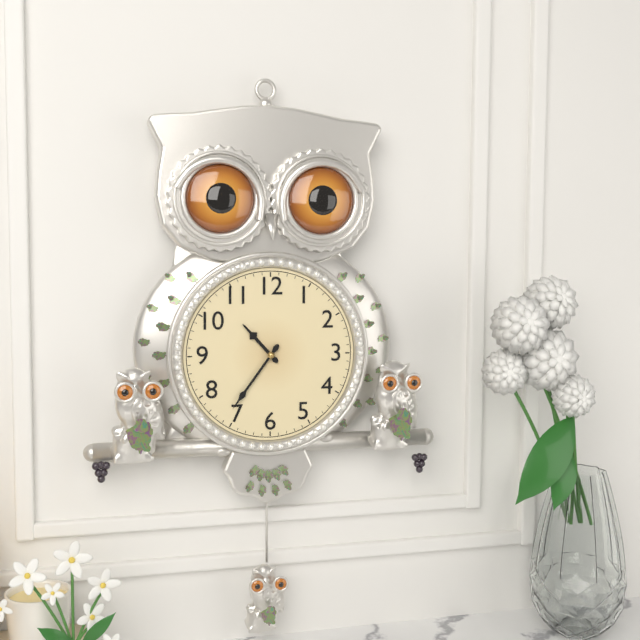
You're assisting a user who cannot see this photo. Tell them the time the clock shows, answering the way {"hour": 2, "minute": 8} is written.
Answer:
{"hour": 10, "minute": 36}
